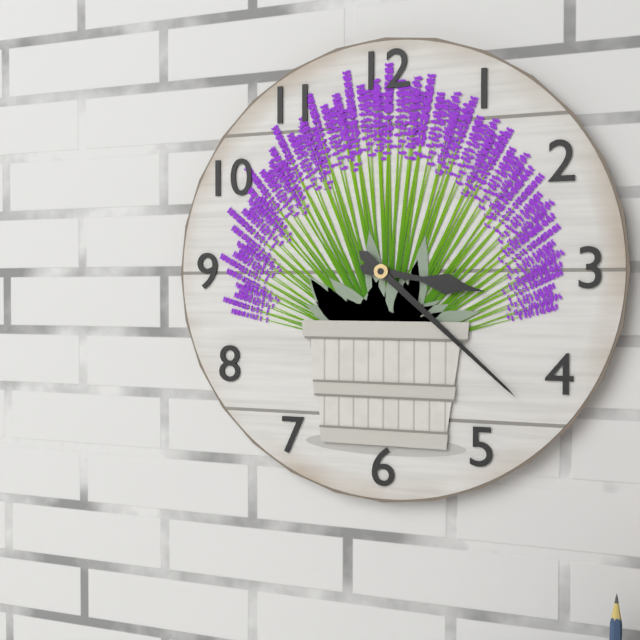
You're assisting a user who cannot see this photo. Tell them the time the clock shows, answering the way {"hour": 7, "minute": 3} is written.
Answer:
{"hour": 3, "minute": 22}
